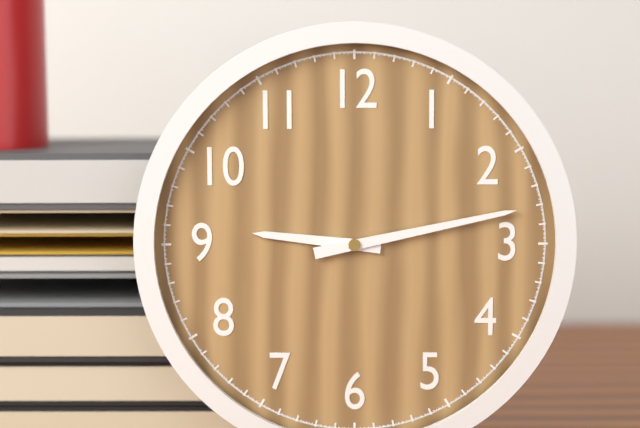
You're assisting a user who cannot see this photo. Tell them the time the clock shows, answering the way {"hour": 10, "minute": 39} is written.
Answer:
{"hour": 9, "minute": 13}
